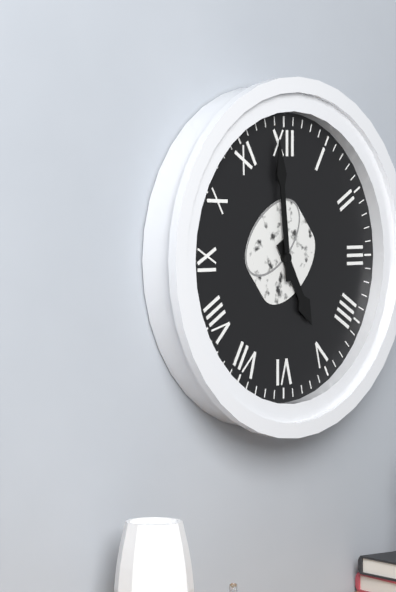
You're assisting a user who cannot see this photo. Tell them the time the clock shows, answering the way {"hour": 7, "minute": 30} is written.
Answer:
{"hour": 4, "minute": 59}
